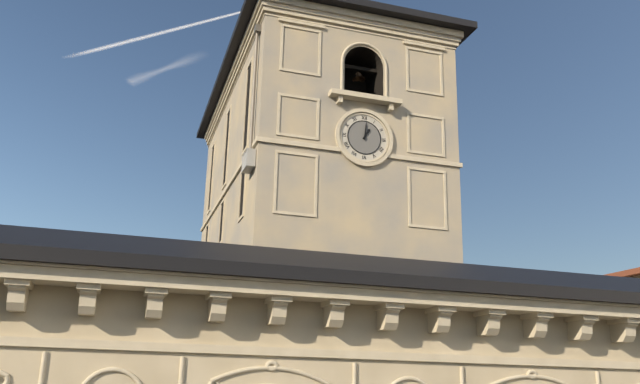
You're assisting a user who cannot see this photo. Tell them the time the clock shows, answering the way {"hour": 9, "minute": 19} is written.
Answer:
{"hour": 1, "minute": 1}
